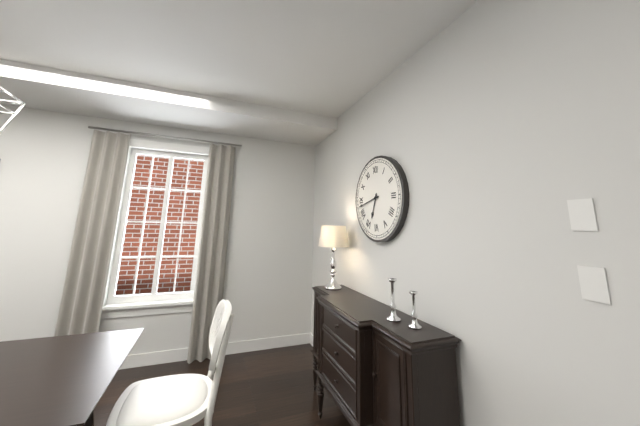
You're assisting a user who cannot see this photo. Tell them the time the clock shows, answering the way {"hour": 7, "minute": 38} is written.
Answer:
{"hour": 6, "minute": 43}
